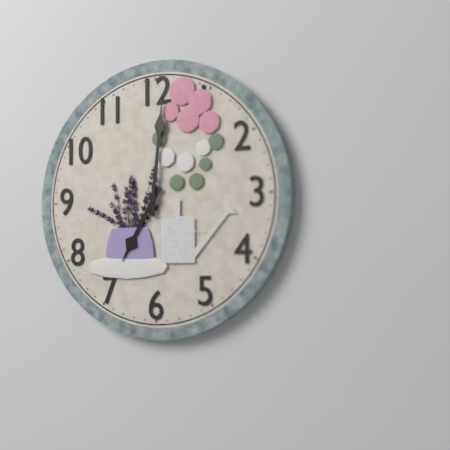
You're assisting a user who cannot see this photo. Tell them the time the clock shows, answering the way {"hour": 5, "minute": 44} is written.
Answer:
{"hour": 7, "minute": 1}
